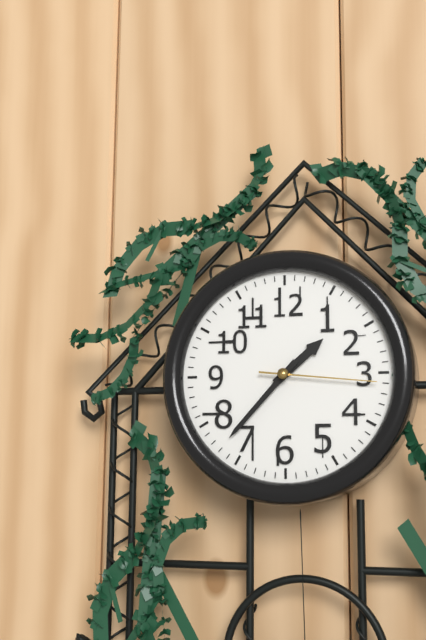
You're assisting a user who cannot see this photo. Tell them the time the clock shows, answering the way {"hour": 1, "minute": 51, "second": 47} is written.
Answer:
{"hour": 1, "minute": 37, "second": 16}
